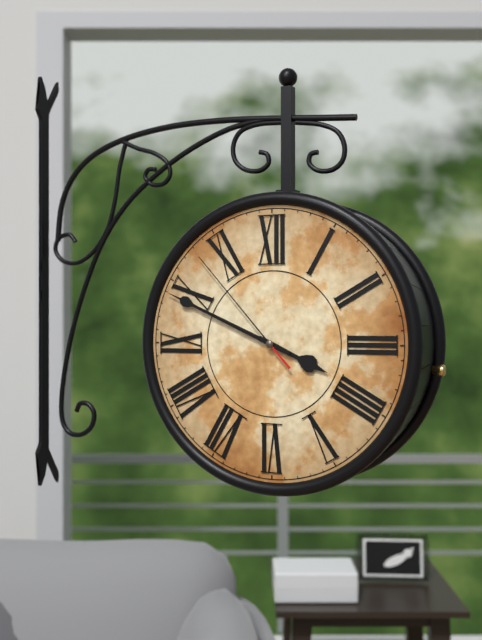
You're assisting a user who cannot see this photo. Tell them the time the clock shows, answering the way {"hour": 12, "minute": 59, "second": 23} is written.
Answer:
{"hour": 3, "minute": 49, "second": 53}
